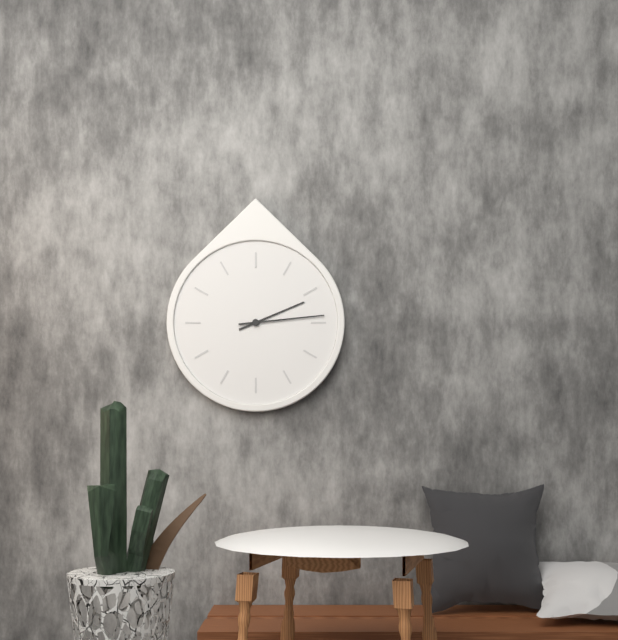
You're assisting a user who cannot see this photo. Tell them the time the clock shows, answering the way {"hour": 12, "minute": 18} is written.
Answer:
{"hour": 2, "minute": 14}
